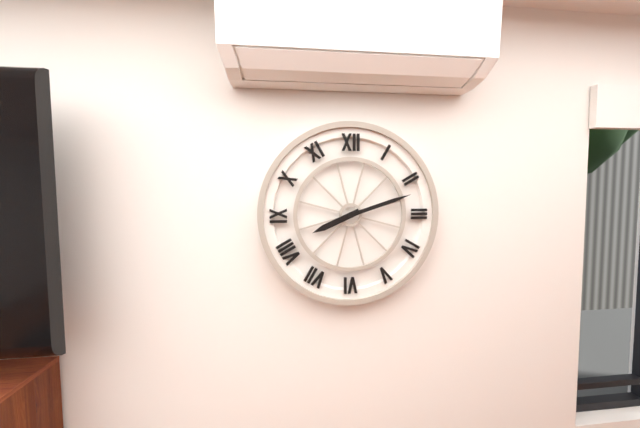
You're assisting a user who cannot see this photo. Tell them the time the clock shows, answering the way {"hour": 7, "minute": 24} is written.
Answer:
{"hour": 8, "minute": 12}
